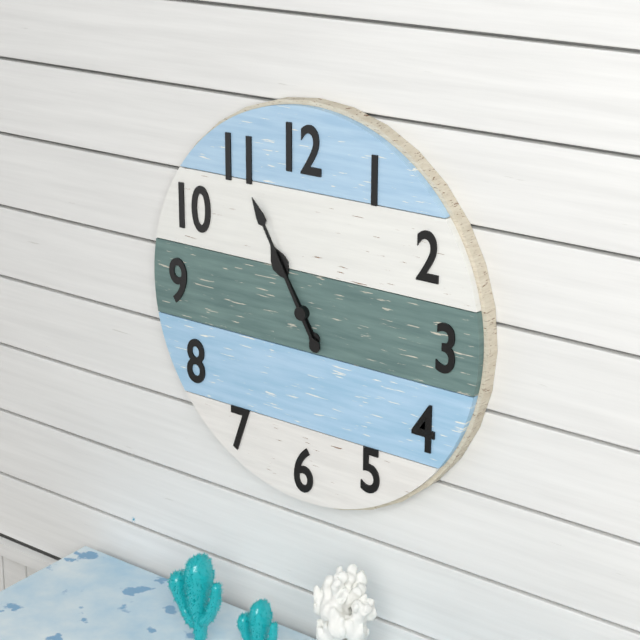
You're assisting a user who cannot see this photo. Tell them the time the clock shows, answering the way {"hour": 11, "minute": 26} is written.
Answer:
{"hour": 10, "minute": 55}
